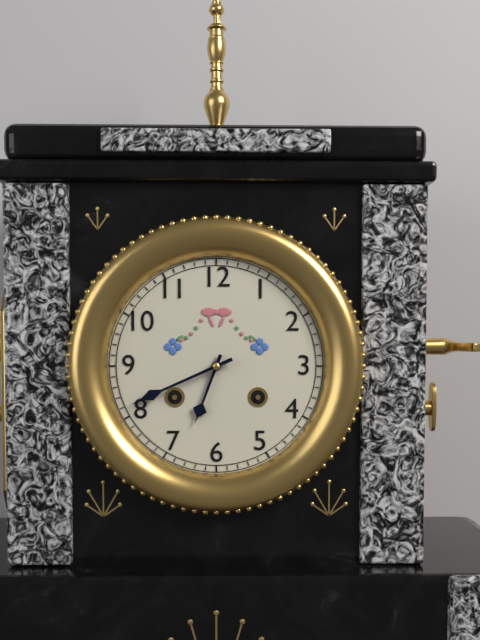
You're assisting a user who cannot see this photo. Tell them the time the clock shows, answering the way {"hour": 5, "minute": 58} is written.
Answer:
{"hour": 6, "minute": 41}
